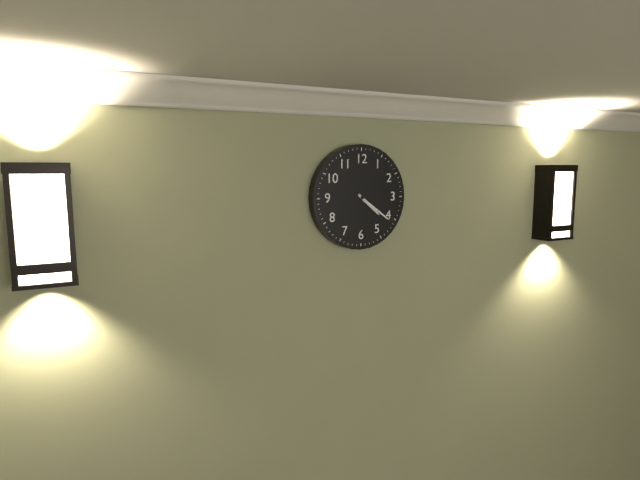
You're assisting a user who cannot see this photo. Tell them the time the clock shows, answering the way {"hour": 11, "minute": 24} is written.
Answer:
{"hour": 4, "minute": 21}
